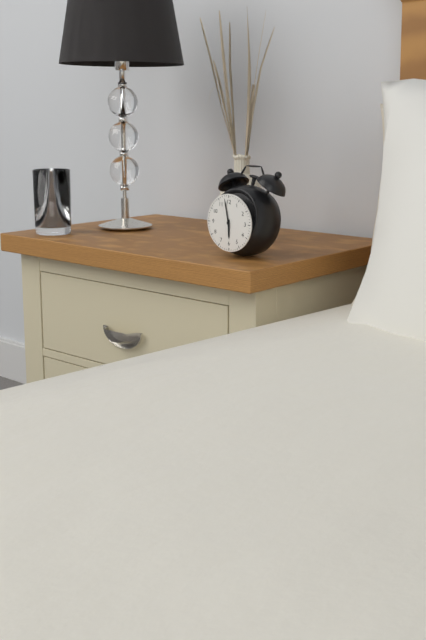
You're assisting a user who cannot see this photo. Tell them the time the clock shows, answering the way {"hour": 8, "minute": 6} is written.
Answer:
{"hour": 5, "minute": 58}
